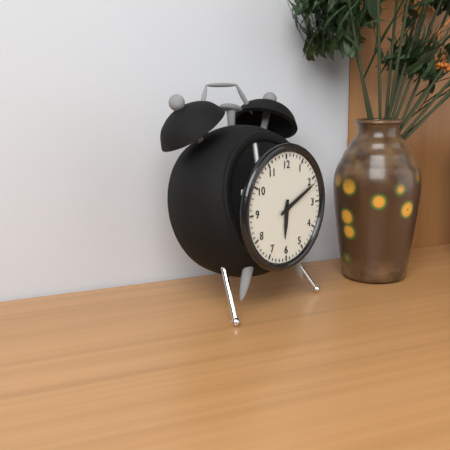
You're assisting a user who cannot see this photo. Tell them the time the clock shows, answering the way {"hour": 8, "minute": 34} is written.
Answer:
{"hour": 6, "minute": 11}
